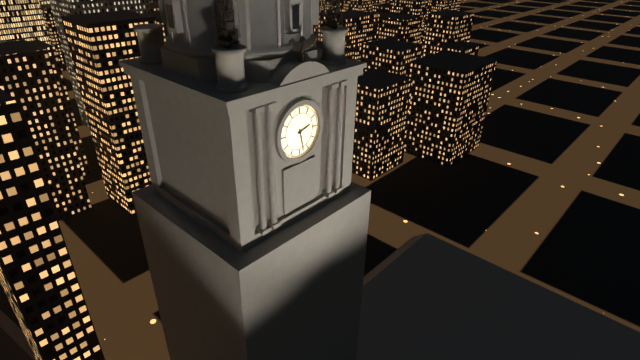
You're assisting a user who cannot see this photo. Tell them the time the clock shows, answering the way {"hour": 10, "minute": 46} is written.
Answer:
{"hour": 2, "minute": 28}
